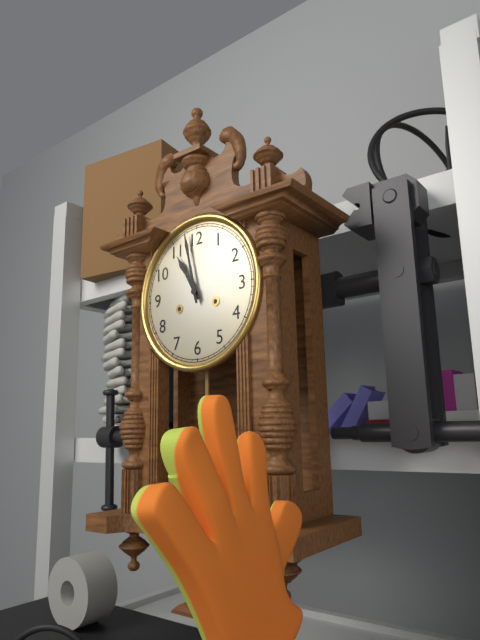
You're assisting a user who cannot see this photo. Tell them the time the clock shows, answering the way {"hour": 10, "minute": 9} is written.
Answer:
{"hour": 10, "minute": 58}
